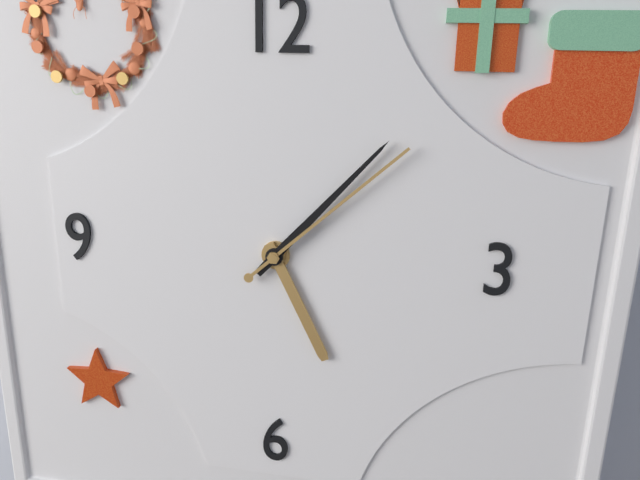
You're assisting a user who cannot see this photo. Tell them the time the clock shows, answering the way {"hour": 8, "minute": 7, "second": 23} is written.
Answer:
{"hour": 5, "minute": 7, "second": 8}
